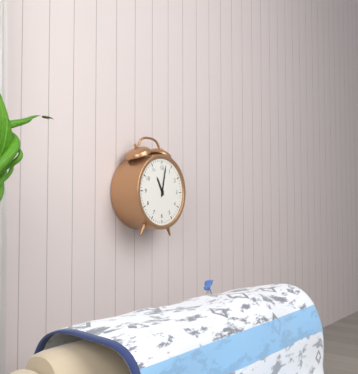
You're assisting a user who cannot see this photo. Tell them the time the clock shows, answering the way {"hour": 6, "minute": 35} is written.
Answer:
{"hour": 11, "minute": 2}
